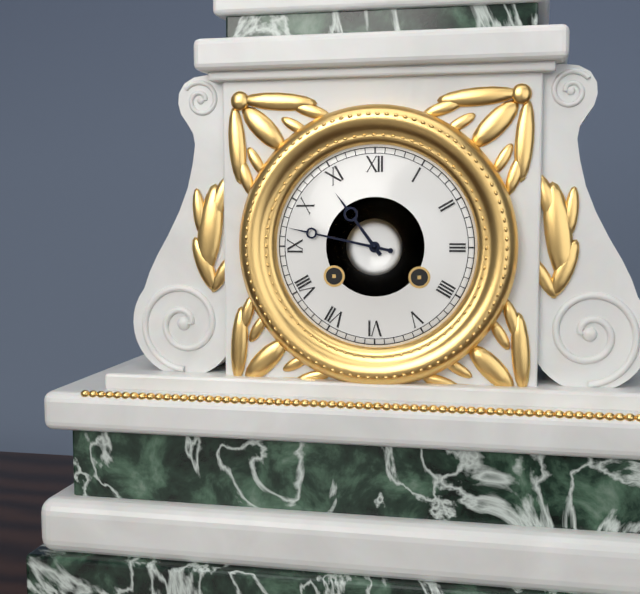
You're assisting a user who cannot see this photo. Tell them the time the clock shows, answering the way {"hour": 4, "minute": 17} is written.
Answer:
{"hour": 10, "minute": 47}
